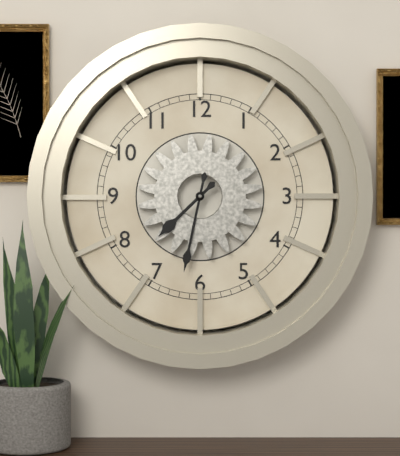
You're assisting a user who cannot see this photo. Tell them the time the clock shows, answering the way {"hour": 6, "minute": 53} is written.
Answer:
{"hour": 7, "minute": 32}
